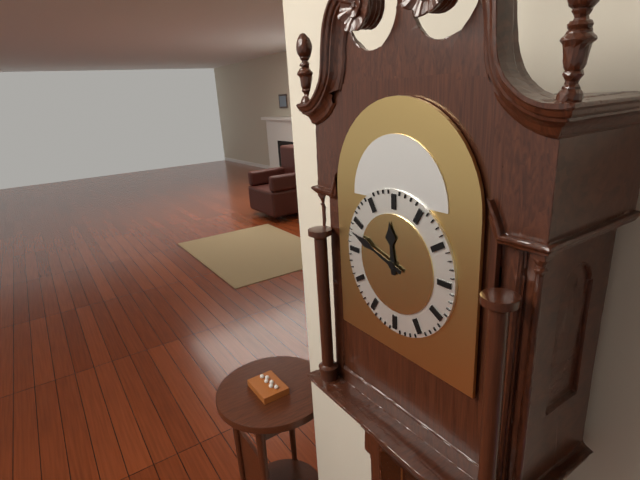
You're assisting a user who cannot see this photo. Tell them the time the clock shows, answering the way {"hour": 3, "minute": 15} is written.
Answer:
{"hour": 11, "minute": 48}
